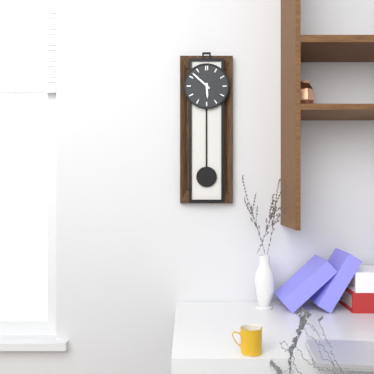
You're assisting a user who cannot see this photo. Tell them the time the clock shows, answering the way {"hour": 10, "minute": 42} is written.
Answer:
{"hour": 5, "minute": 52}
